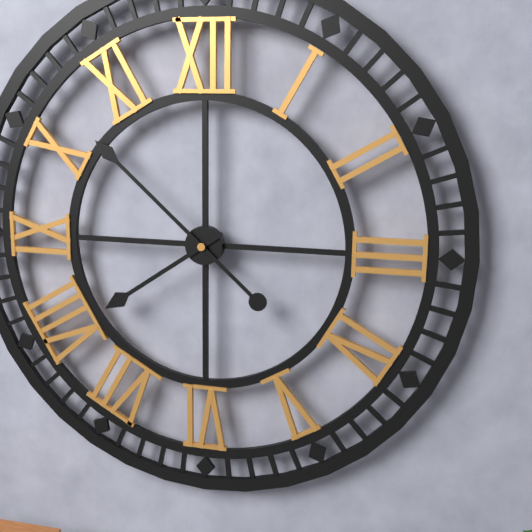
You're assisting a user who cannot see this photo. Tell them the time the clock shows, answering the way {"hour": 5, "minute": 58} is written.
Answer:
{"hour": 7, "minute": 52}
